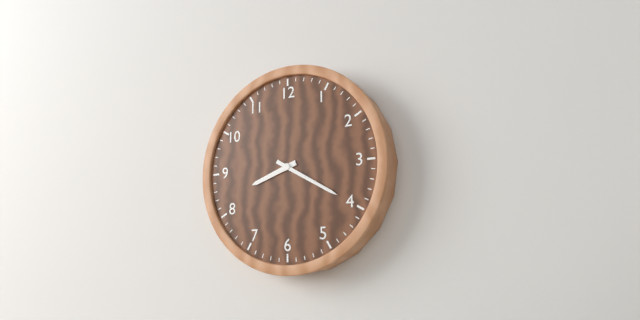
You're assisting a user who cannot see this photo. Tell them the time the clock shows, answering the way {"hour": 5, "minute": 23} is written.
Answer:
{"hour": 8, "minute": 20}
